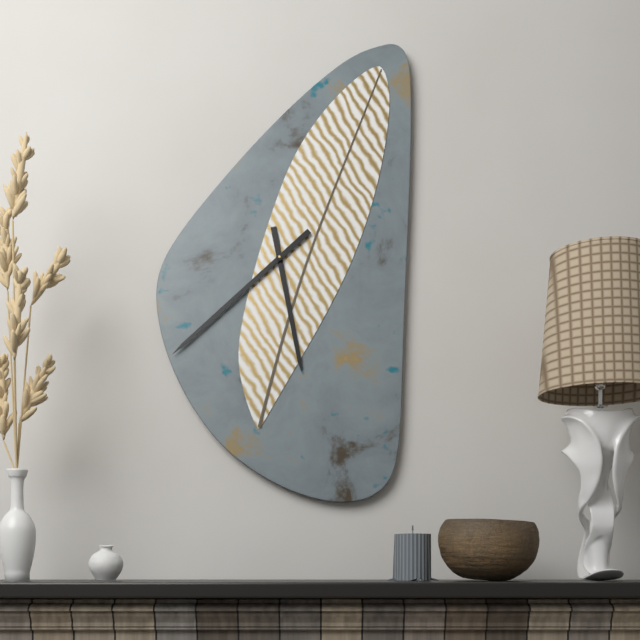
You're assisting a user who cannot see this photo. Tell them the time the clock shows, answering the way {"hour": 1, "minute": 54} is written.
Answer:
{"hour": 5, "minute": 38}
